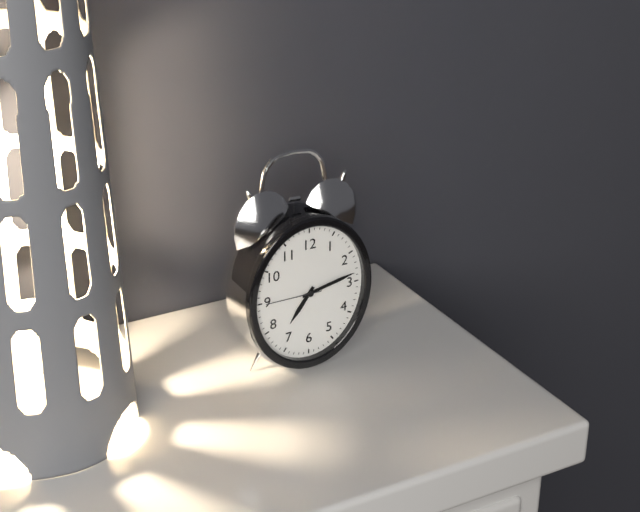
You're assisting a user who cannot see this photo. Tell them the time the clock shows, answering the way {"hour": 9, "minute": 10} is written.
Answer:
{"hour": 7, "minute": 13}
